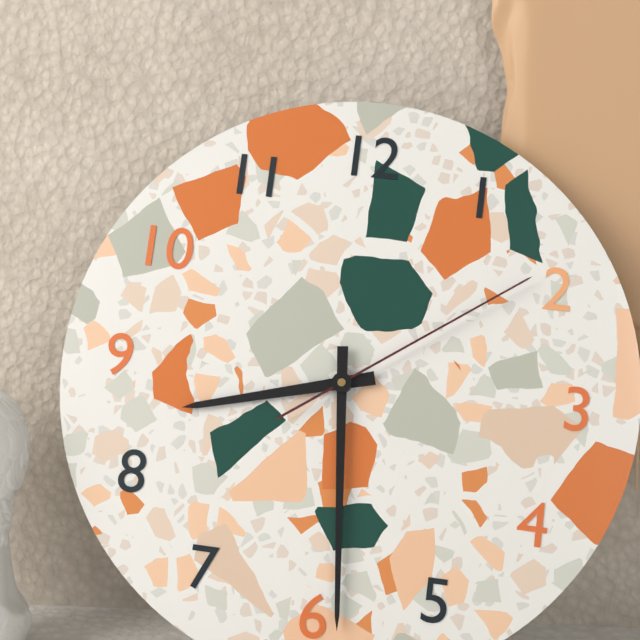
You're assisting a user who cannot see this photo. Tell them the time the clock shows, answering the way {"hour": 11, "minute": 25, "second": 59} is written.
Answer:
{"hour": 8, "minute": 29, "second": 9}
